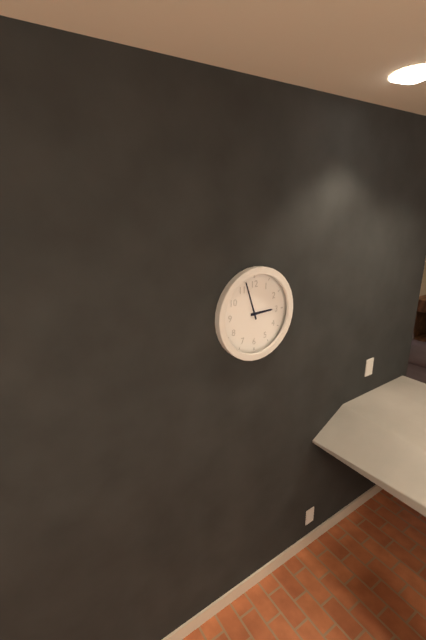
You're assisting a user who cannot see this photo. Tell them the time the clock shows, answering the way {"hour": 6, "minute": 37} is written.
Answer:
{"hour": 2, "minute": 57}
